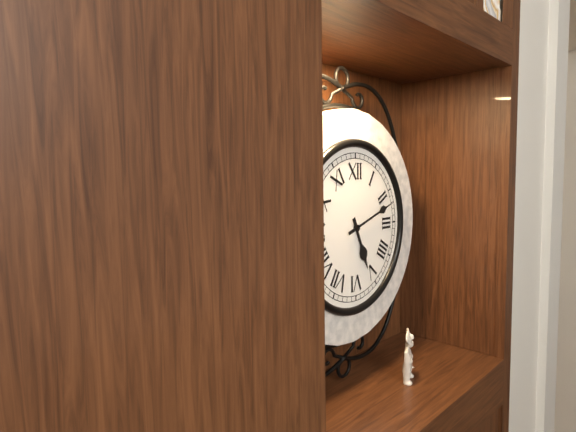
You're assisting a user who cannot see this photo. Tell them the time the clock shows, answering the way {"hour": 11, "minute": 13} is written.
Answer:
{"hour": 5, "minute": 12}
